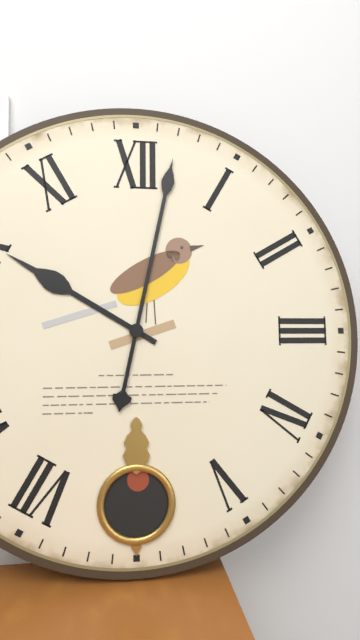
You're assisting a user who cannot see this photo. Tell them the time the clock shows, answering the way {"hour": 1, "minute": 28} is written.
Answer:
{"hour": 10, "minute": 2}
